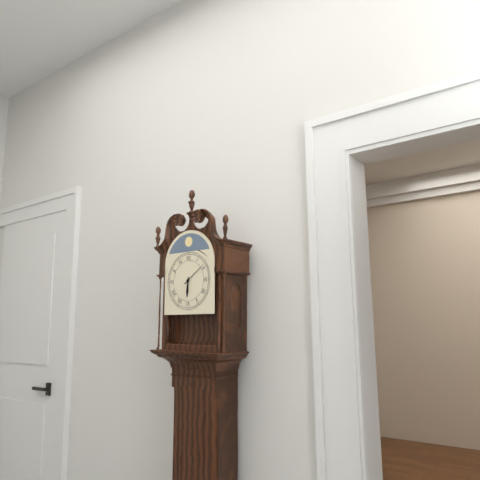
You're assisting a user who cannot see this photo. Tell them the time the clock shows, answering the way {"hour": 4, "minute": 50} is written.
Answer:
{"hour": 6, "minute": 9}
